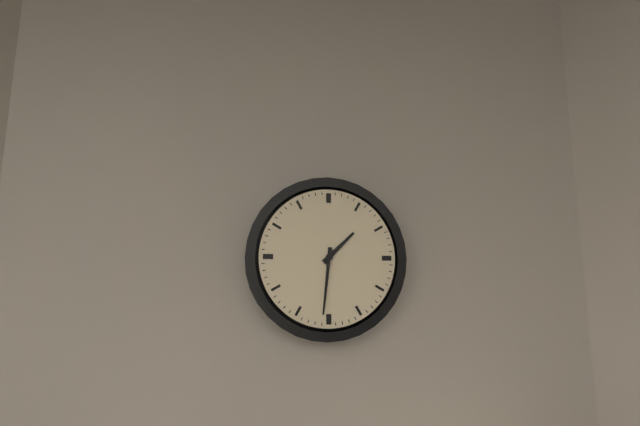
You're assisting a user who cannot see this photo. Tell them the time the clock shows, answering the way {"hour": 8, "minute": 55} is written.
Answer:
{"hour": 1, "minute": 31}
